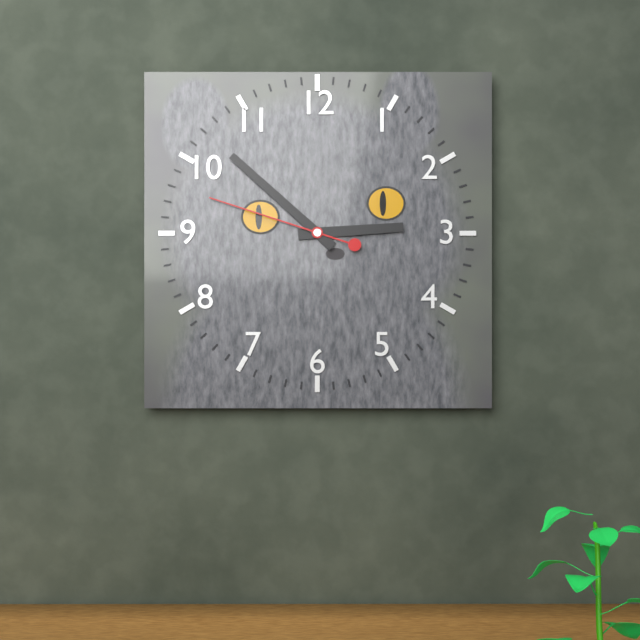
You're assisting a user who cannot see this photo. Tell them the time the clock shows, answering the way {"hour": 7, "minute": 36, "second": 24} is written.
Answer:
{"hour": 2, "minute": 52, "second": 48}
